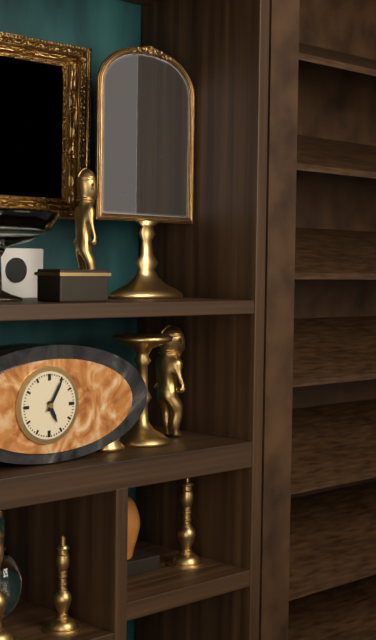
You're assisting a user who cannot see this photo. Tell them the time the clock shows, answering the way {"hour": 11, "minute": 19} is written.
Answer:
{"hour": 5, "minute": 5}
